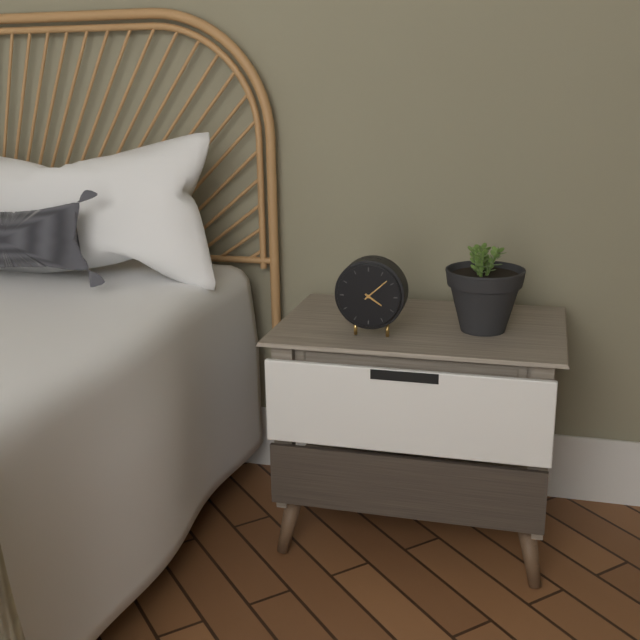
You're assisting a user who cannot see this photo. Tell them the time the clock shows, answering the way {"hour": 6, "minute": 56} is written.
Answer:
{"hour": 4, "minute": 8}
